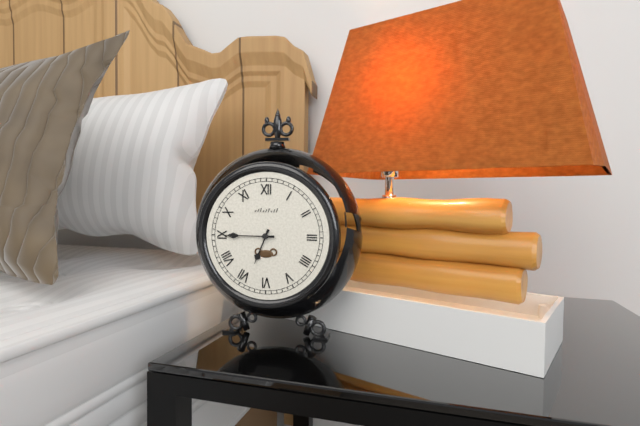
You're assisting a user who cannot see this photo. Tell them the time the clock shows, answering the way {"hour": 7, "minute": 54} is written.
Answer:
{"hour": 6, "minute": 45}
